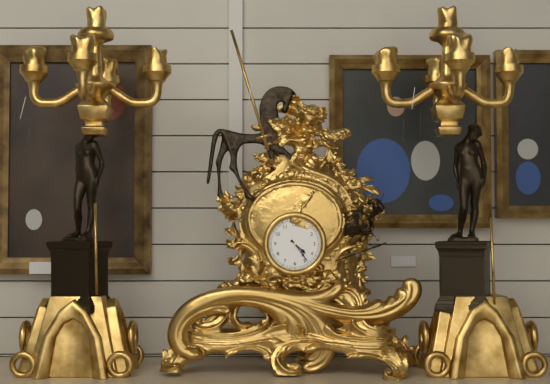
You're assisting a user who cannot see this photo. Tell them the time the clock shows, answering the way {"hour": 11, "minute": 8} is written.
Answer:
{"hour": 4, "minute": 24}
